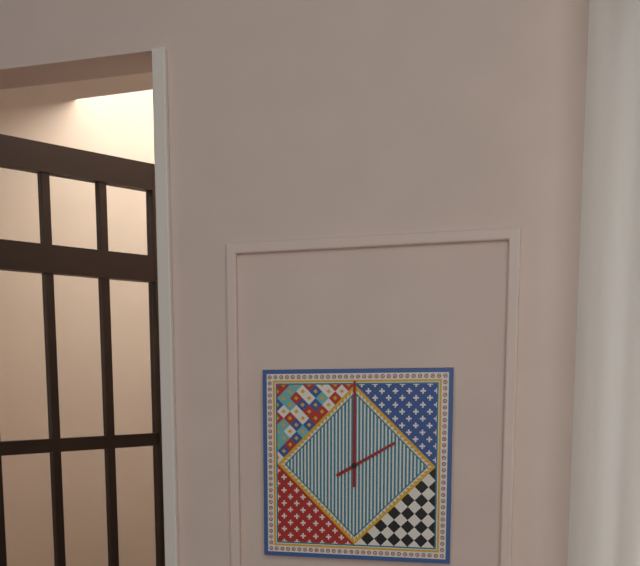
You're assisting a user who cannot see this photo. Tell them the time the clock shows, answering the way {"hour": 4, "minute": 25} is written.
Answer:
{"hour": 2, "minute": 0}
